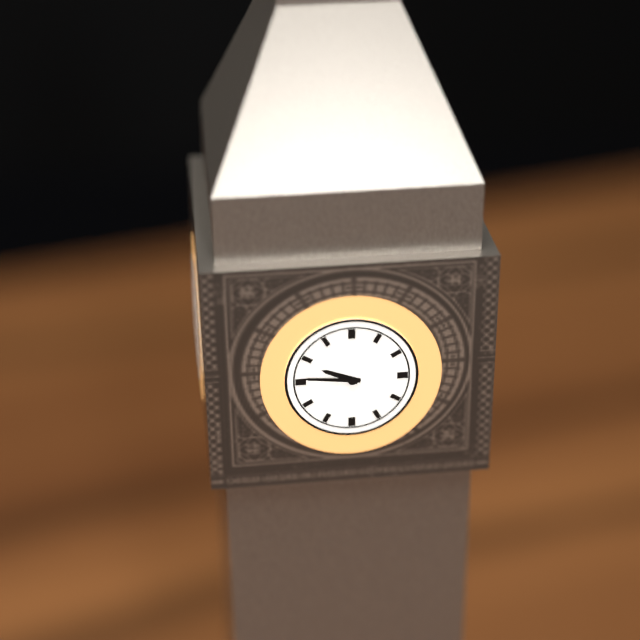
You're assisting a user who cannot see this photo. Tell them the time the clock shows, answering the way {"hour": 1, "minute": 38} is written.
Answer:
{"hour": 9, "minute": 46}
